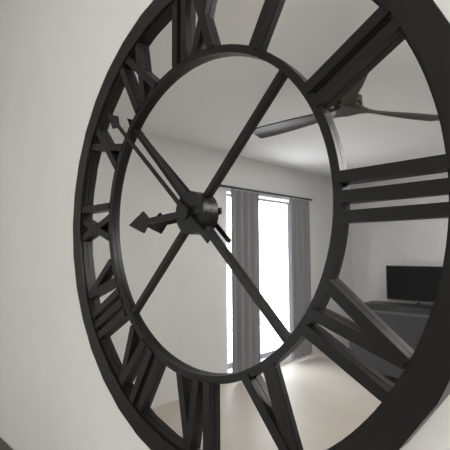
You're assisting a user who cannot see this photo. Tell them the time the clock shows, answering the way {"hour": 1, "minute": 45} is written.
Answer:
{"hour": 8, "minute": 52}
